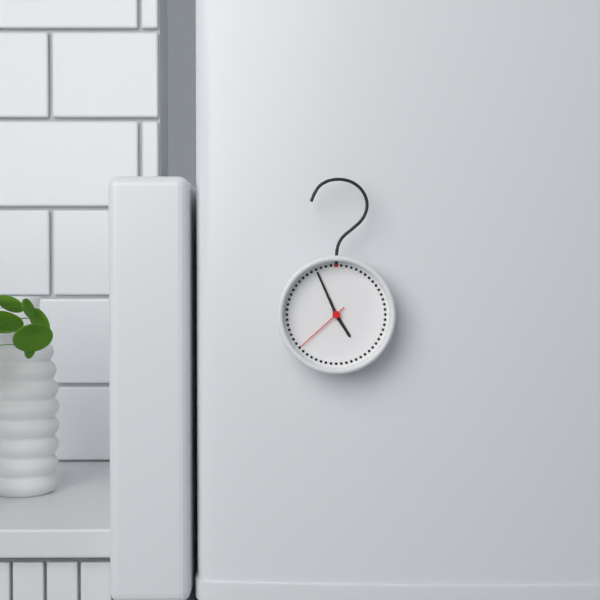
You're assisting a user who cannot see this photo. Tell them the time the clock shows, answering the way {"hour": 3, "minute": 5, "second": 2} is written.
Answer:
{"hour": 4, "minute": 56, "second": 38}
